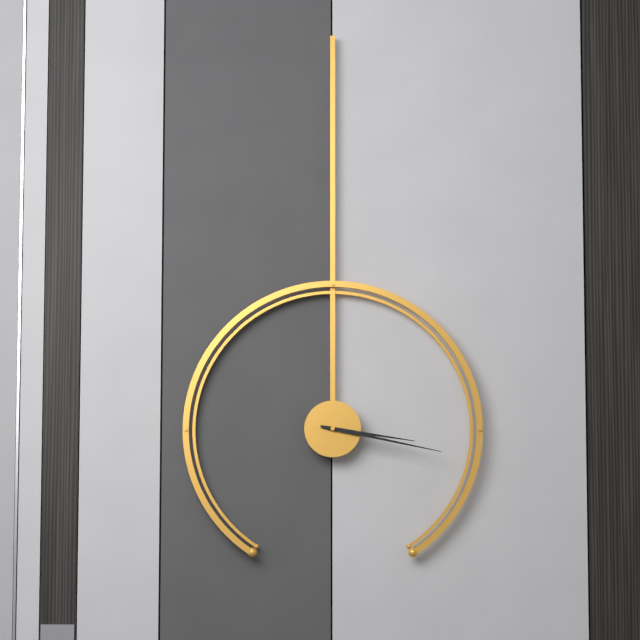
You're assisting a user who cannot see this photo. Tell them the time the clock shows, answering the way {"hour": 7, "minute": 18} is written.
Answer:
{"hour": 3, "minute": 17}
